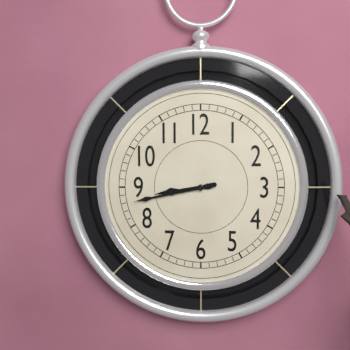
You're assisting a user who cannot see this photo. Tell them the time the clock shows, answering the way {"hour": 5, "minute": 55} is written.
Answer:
{"hour": 8, "minute": 43}
